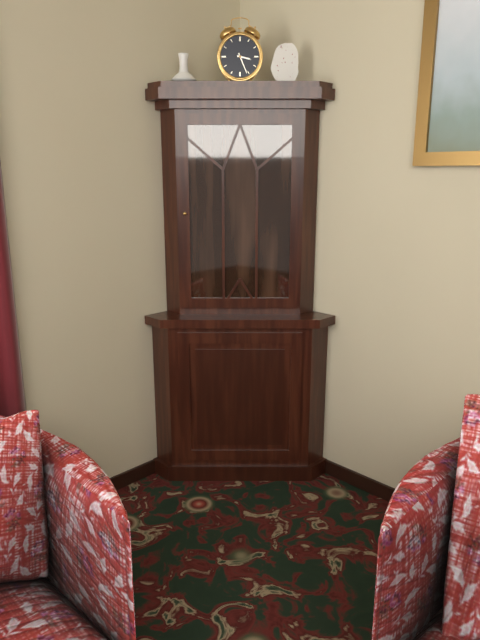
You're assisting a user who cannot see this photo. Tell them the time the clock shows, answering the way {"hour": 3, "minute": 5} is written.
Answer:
{"hour": 3, "minute": 26}
